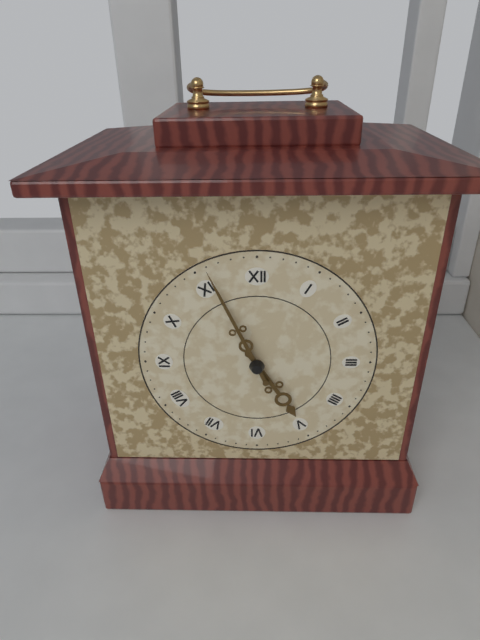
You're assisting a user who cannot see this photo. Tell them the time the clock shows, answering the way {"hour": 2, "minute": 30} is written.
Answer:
{"hour": 4, "minute": 56}
